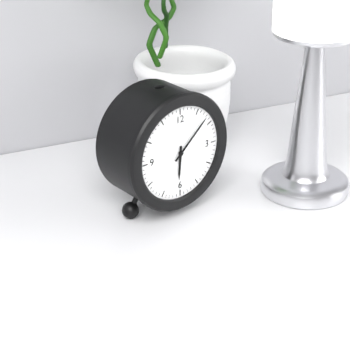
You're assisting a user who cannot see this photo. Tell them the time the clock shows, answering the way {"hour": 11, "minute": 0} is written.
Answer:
{"hour": 6, "minute": 8}
